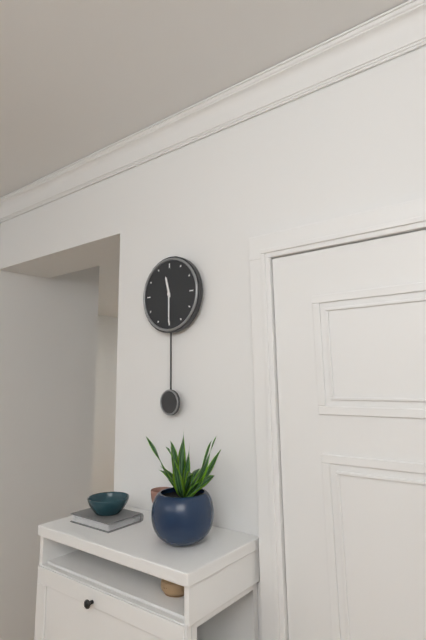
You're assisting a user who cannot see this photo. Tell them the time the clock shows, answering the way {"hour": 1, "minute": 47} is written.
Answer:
{"hour": 11, "minute": 30}
